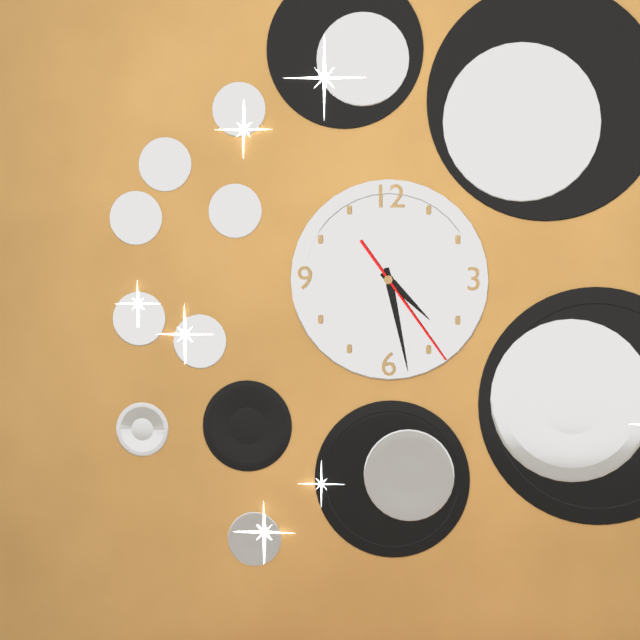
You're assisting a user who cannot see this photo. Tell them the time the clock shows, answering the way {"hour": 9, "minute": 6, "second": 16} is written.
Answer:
{"hour": 4, "minute": 28, "second": 24}
